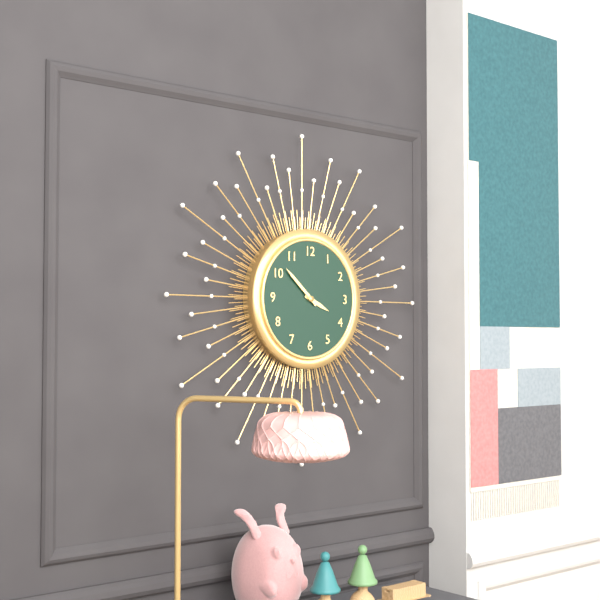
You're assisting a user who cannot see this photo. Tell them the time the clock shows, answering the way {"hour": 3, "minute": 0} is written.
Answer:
{"hour": 3, "minute": 52}
